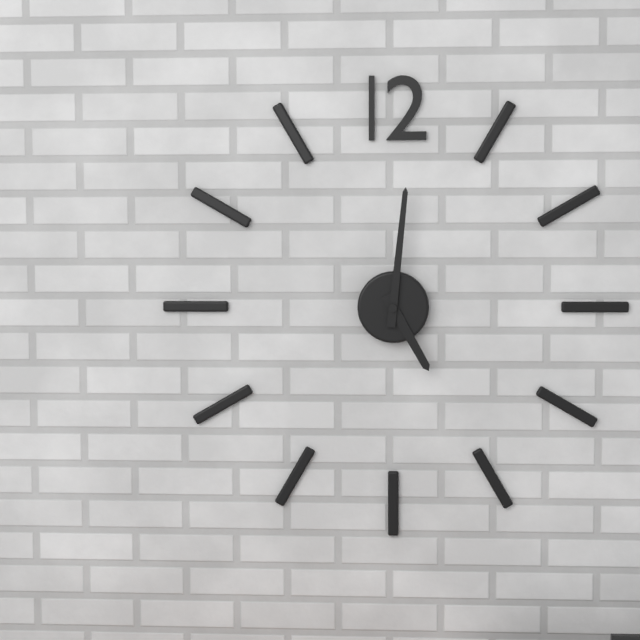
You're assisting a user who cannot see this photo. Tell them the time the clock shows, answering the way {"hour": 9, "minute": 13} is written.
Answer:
{"hour": 5, "minute": 1}
